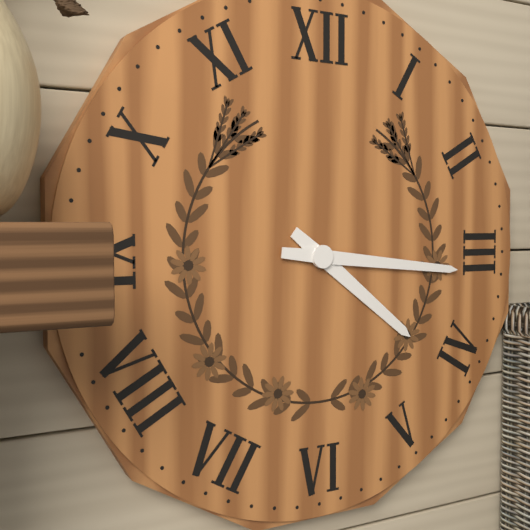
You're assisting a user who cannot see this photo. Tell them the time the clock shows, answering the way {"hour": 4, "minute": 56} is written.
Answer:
{"hour": 4, "minute": 16}
